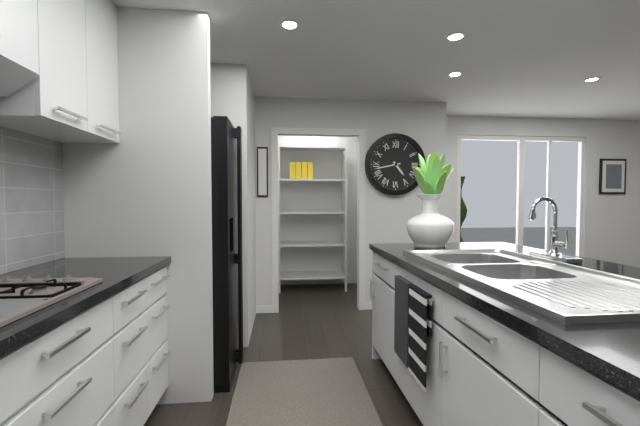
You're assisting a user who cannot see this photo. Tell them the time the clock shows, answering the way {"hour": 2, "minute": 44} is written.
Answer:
{"hour": 4, "minute": 43}
